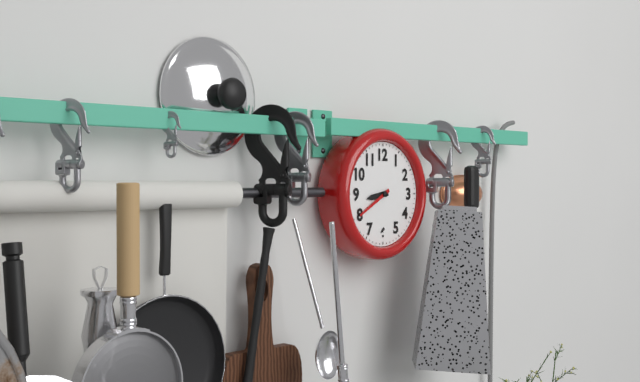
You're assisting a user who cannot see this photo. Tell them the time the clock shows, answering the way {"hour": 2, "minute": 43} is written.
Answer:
{"hour": 8, "minute": 40}
